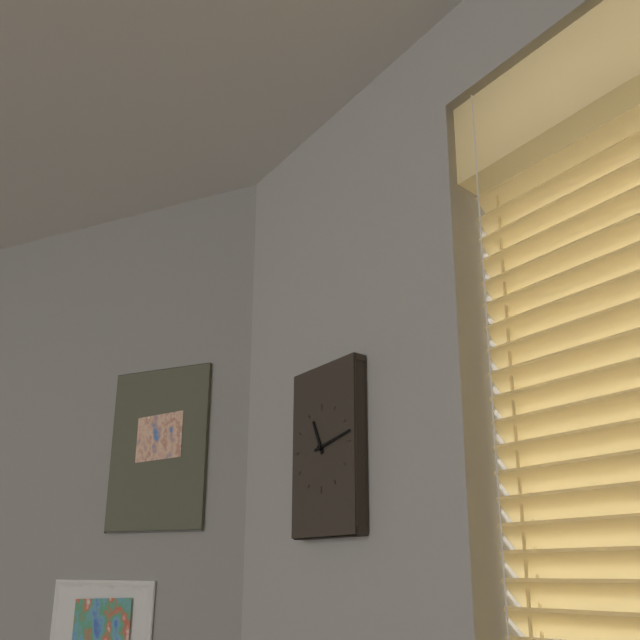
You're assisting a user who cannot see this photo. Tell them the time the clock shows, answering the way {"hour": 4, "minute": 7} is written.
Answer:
{"hour": 11, "minute": 13}
